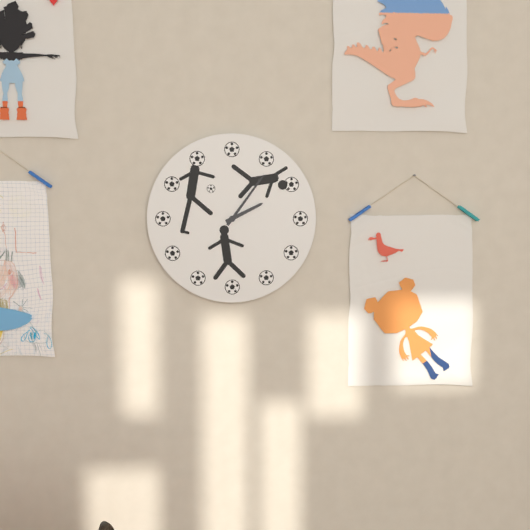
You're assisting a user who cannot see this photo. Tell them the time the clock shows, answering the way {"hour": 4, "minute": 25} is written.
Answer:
{"hour": 2, "minute": 6}
